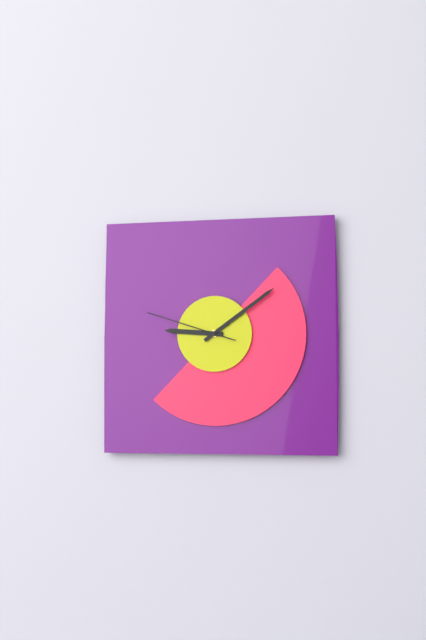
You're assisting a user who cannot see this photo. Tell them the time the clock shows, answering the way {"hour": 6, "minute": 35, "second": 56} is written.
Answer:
{"hour": 9, "minute": 9, "second": 48}
